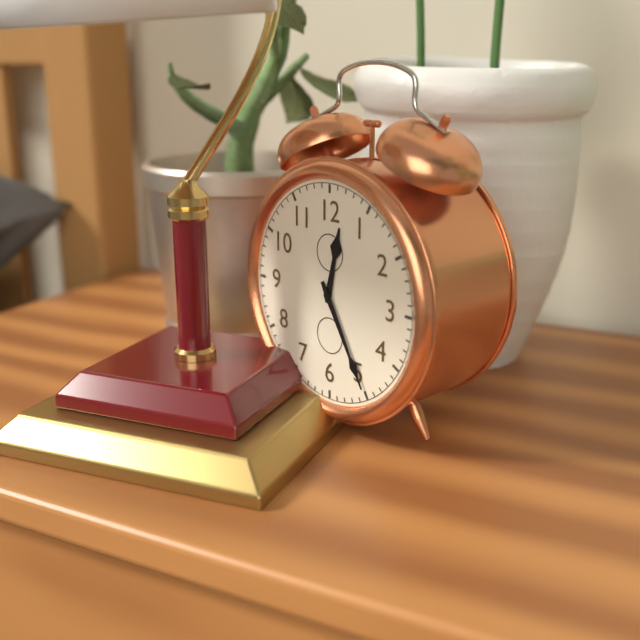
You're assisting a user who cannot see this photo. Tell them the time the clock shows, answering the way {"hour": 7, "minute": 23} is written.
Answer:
{"hour": 12, "minute": 25}
